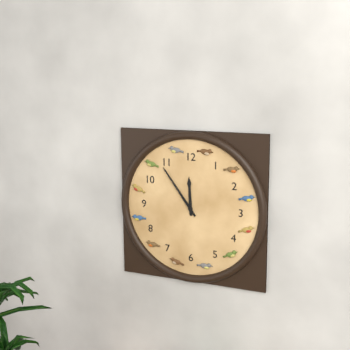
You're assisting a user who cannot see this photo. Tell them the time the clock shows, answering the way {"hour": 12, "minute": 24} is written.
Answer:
{"hour": 11, "minute": 54}
